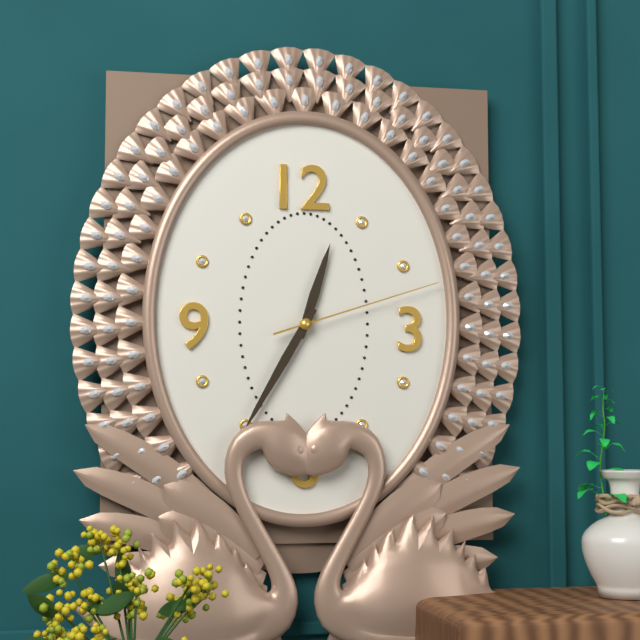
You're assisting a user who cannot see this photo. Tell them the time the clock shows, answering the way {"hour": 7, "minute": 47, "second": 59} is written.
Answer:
{"hour": 12, "minute": 35, "second": 12}
